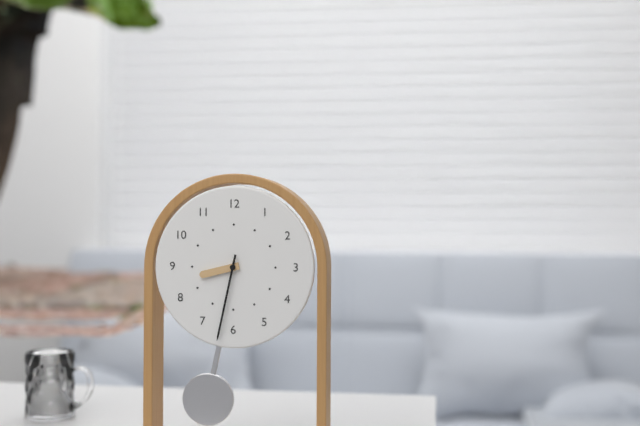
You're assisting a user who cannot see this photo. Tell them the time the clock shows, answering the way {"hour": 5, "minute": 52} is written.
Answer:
{"hour": 8, "minute": 32}
